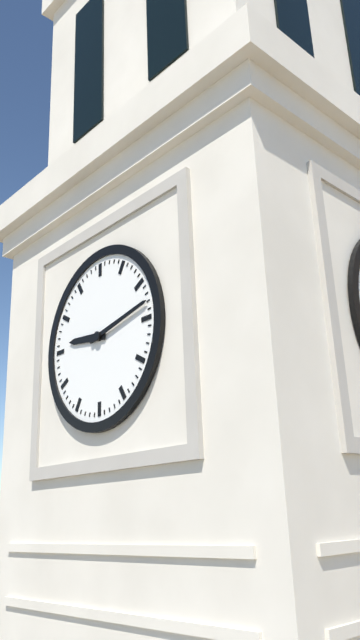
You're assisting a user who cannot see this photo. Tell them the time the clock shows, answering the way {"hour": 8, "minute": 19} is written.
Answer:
{"hour": 9, "minute": 13}
